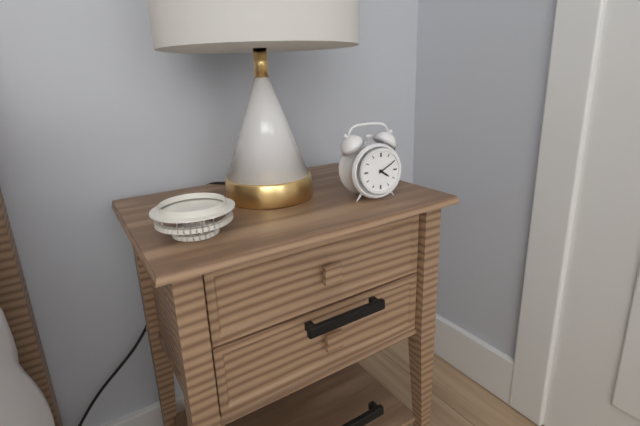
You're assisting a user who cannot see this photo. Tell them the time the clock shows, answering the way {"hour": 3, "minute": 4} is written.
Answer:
{"hour": 4, "minute": 10}
